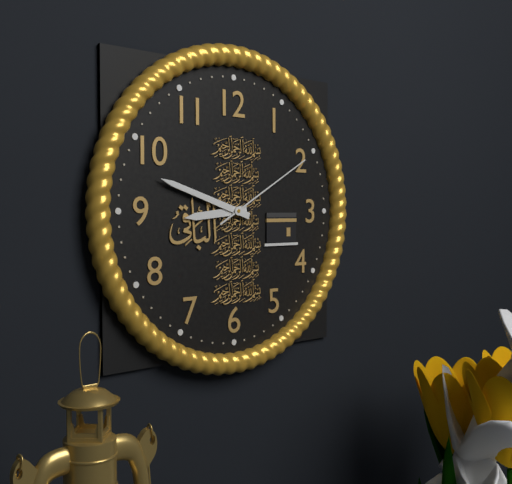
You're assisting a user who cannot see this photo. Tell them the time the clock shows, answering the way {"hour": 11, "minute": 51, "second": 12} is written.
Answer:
{"hour": 8, "minute": 48, "second": 10}
